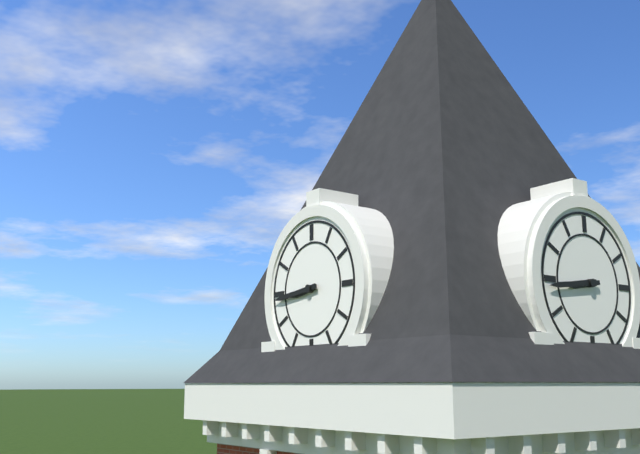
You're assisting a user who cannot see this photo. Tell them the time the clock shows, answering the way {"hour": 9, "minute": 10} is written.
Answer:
{"hour": 8, "minute": 44}
